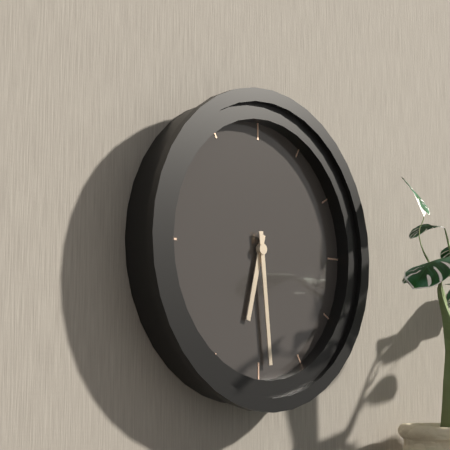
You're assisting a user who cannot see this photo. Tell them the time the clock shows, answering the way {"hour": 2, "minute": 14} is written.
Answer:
{"hour": 6, "minute": 29}
